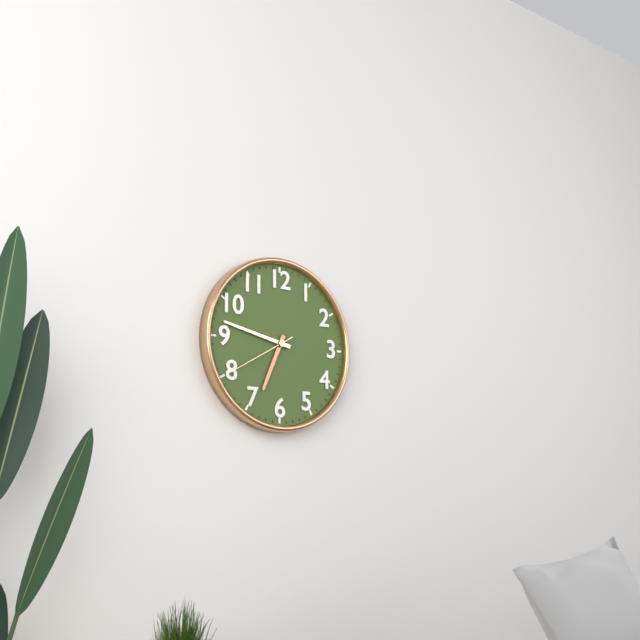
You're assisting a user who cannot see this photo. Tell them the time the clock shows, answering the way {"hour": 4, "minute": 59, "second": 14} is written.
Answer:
{"hour": 6, "minute": 47, "second": 40}
